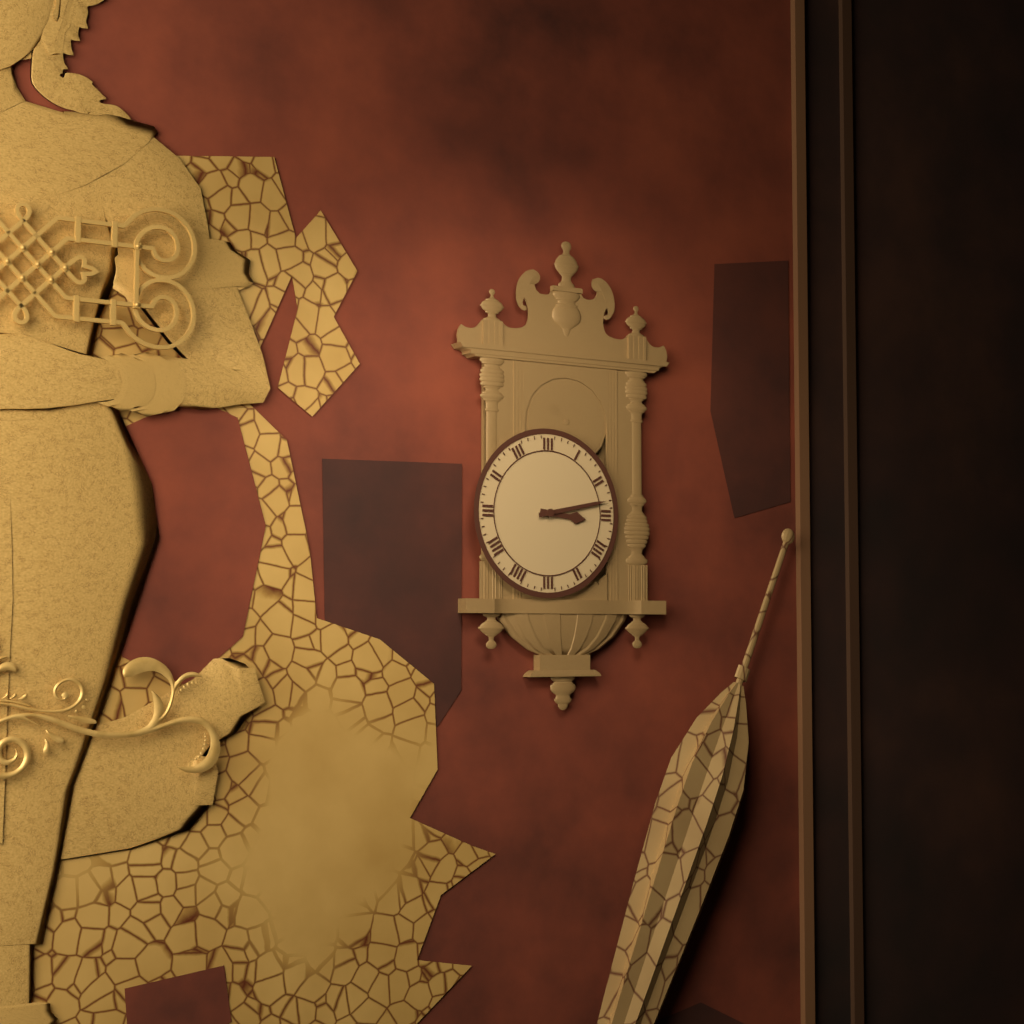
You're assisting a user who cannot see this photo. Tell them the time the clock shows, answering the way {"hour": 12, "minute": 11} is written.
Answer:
{"hour": 3, "minute": 13}
